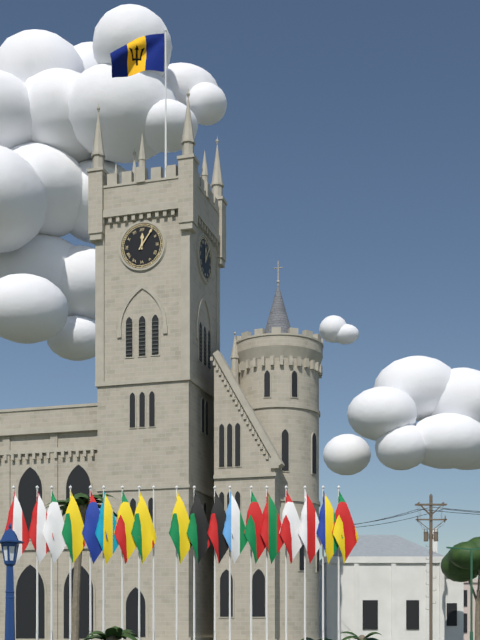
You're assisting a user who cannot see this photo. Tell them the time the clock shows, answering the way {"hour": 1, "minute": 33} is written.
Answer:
{"hour": 12, "minute": 6}
